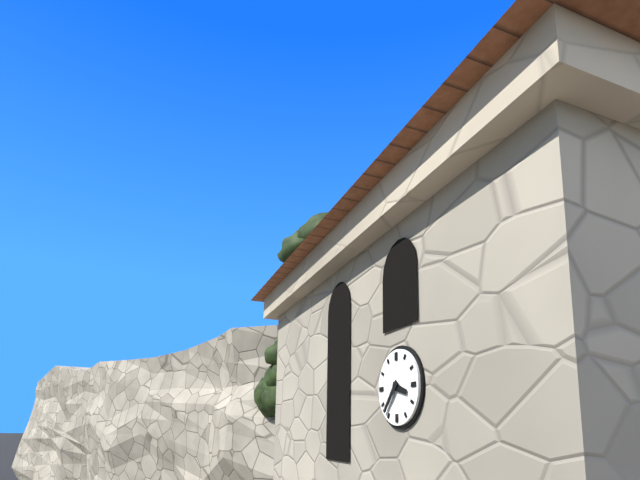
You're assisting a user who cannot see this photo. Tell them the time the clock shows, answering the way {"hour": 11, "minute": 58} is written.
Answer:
{"hour": 3, "minute": 37}
